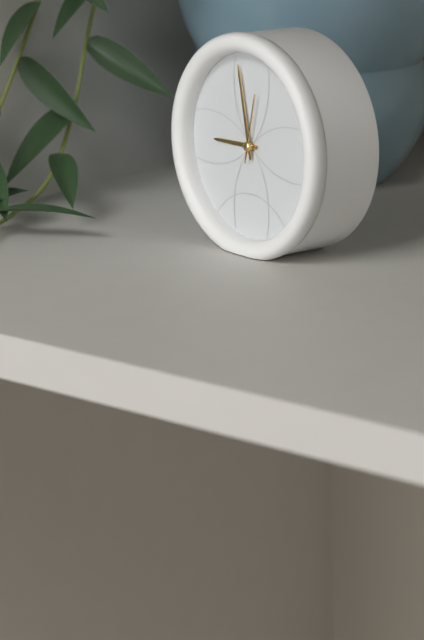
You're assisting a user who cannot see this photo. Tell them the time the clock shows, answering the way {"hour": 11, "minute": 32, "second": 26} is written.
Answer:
{"hour": 8, "minute": 58, "second": 2}
